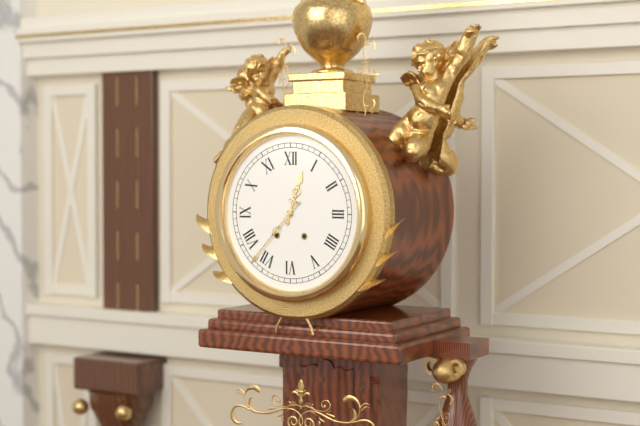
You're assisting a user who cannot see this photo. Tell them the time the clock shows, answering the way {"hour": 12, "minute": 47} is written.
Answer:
{"hour": 12, "minute": 37}
